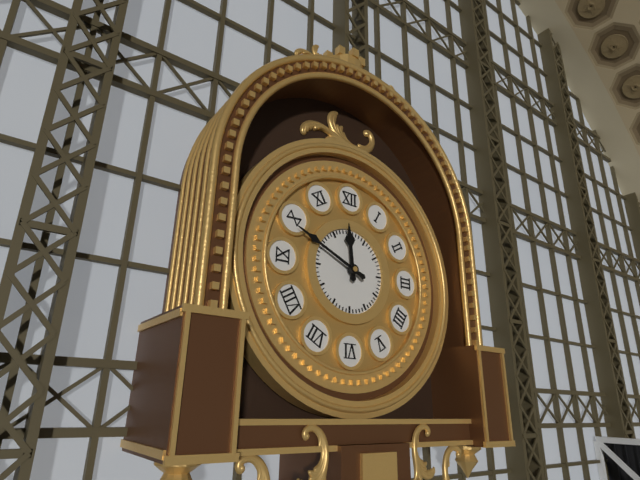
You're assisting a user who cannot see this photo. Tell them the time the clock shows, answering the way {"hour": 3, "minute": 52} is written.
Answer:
{"hour": 11, "minute": 49}
